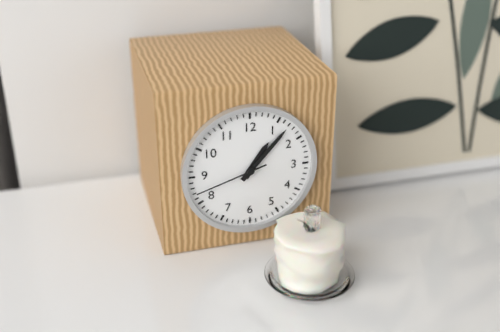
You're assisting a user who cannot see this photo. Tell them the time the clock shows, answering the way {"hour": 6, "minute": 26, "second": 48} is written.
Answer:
{"hour": 1, "minute": 7, "second": 42}
